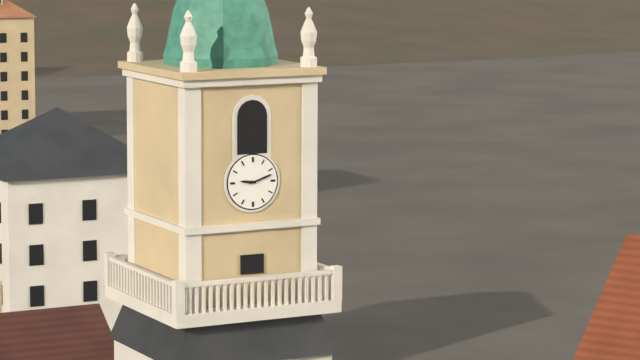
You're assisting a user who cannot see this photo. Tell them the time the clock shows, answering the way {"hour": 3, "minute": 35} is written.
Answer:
{"hour": 9, "minute": 12}
